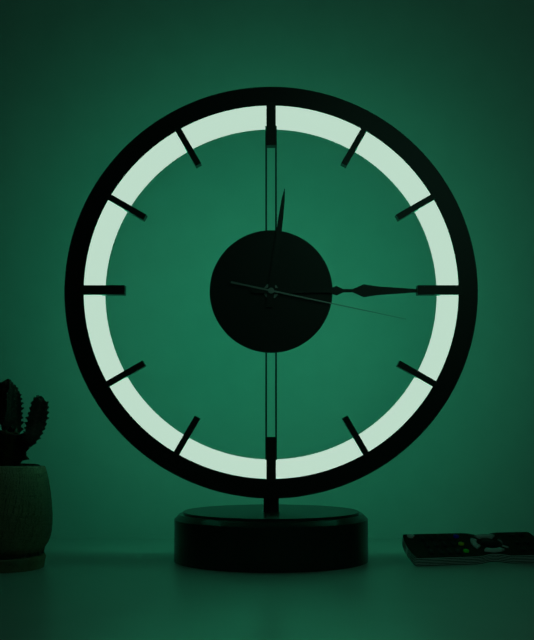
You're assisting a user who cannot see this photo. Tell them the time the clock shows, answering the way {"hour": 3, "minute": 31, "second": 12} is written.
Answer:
{"hour": 12, "minute": 15, "second": 17}
